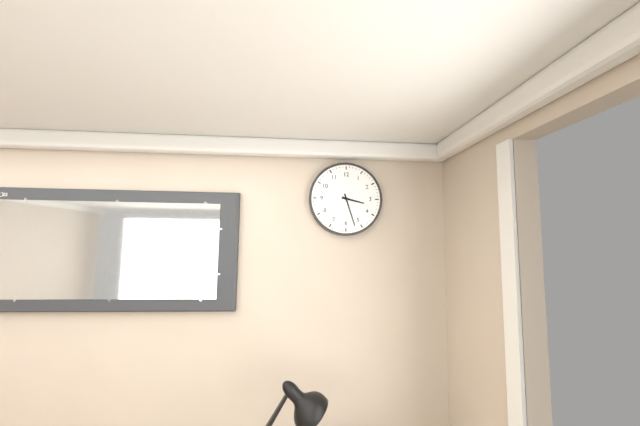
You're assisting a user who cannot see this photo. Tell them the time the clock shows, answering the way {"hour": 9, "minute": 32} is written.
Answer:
{"hour": 3, "minute": 27}
